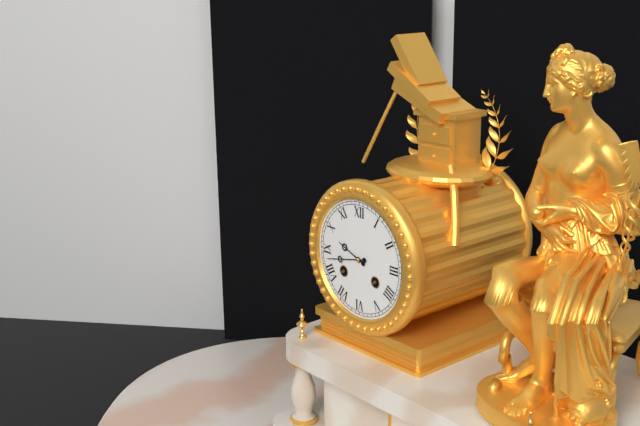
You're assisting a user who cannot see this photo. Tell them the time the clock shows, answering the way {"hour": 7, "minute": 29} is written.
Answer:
{"hour": 9, "minute": 43}
